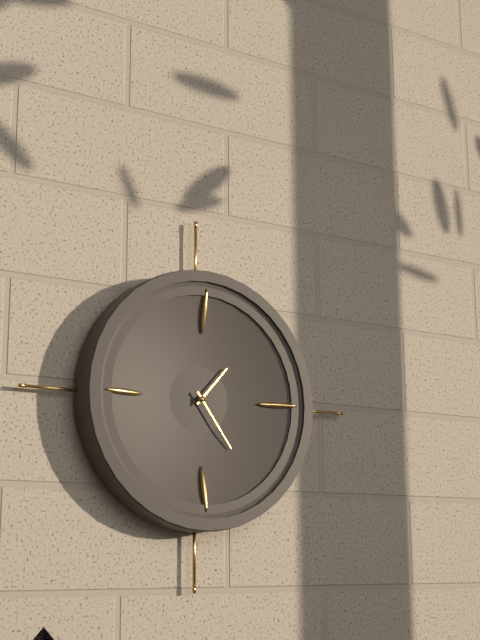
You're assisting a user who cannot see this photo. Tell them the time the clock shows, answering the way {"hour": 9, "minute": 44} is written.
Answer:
{"hour": 1, "minute": 24}
